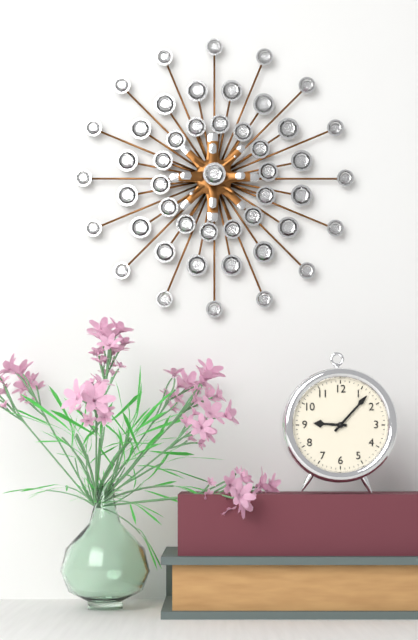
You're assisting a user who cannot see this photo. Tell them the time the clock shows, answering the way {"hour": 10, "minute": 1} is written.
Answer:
{"hour": 9, "minute": 7}
